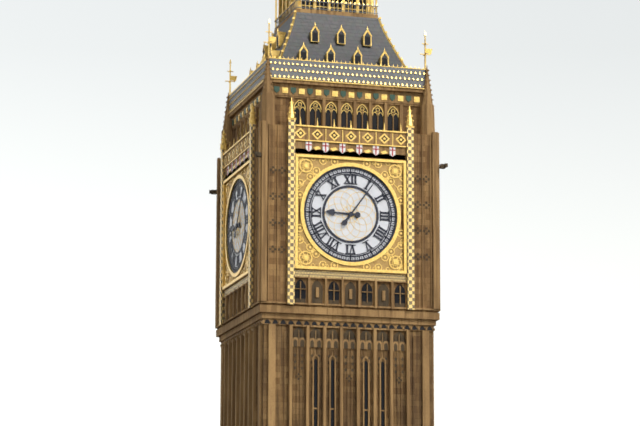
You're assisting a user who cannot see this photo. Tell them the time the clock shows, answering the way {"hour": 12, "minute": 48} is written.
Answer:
{"hour": 9, "minute": 6}
